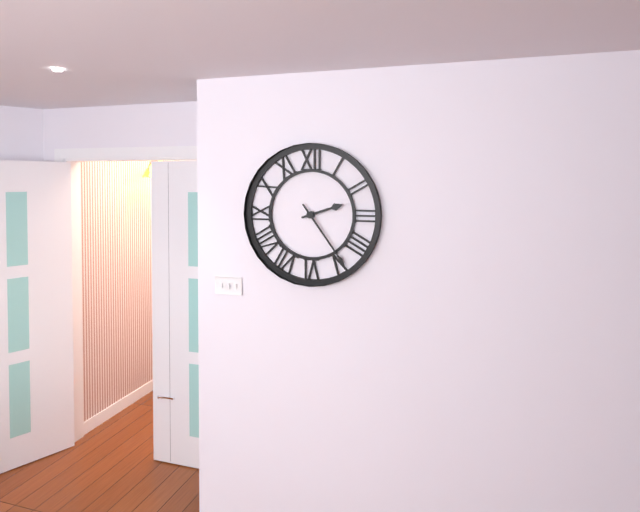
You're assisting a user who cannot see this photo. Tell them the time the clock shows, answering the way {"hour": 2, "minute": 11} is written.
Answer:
{"hour": 2, "minute": 24}
